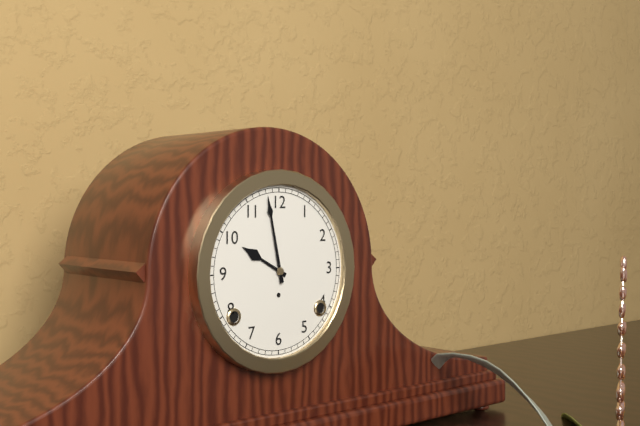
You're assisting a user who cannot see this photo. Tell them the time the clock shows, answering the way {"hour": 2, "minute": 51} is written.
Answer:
{"hour": 9, "minute": 58}
